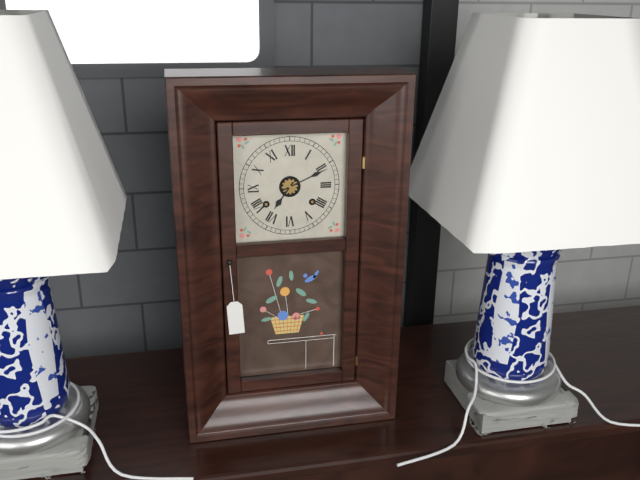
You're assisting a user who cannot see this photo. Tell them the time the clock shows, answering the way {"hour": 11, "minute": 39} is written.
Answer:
{"hour": 7, "minute": 11}
